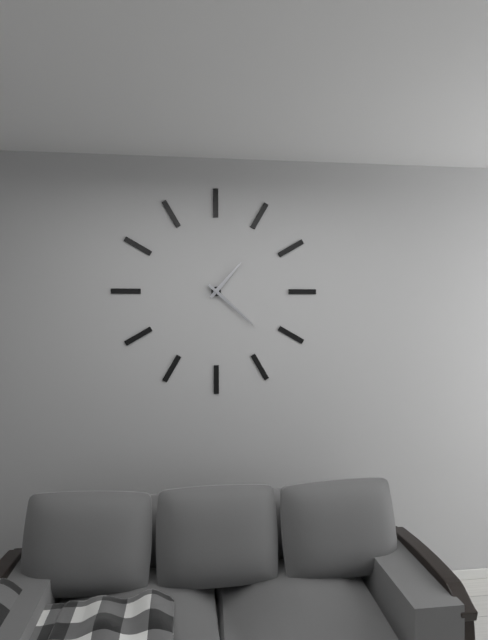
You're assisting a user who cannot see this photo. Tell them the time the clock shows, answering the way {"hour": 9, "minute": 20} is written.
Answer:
{"hour": 1, "minute": 22}
